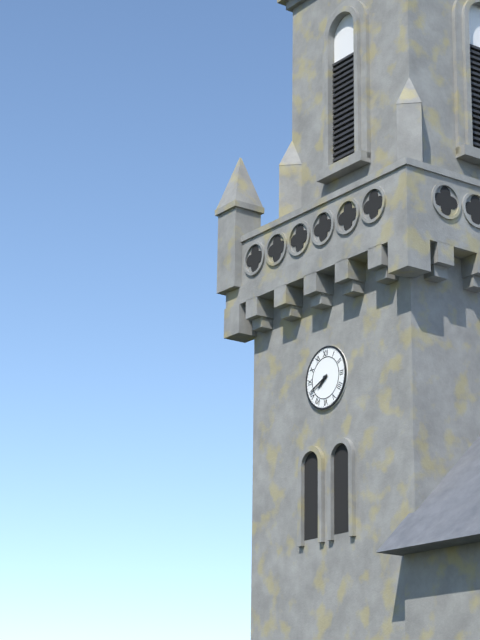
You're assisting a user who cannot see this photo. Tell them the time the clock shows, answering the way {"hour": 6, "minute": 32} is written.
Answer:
{"hour": 7, "minute": 41}
